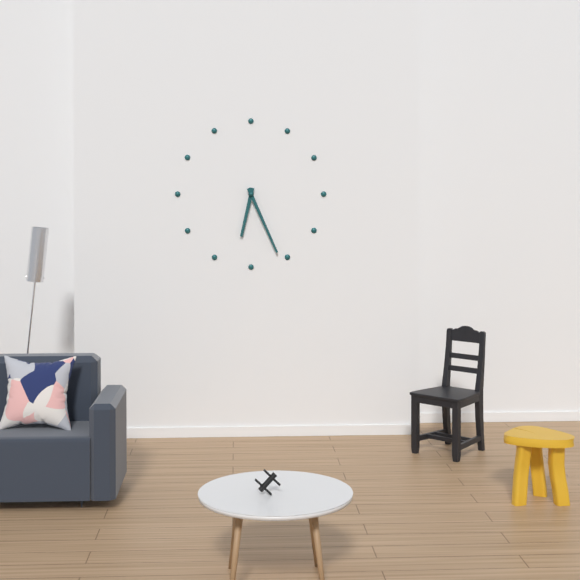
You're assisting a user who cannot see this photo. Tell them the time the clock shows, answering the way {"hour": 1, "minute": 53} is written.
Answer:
{"hour": 6, "minute": 26}
